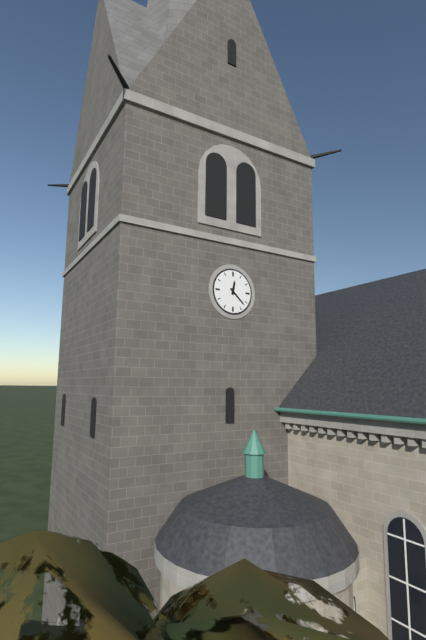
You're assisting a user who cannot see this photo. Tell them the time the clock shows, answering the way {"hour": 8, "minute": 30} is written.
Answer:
{"hour": 12, "minute": 22}
